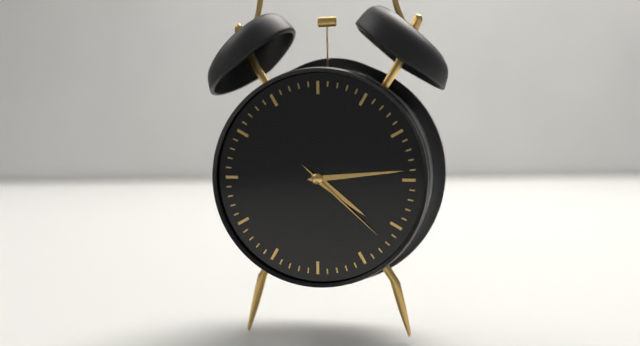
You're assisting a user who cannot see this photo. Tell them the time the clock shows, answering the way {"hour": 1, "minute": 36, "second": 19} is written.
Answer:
{"hour": 4, "minute": 14, "second": 22}
